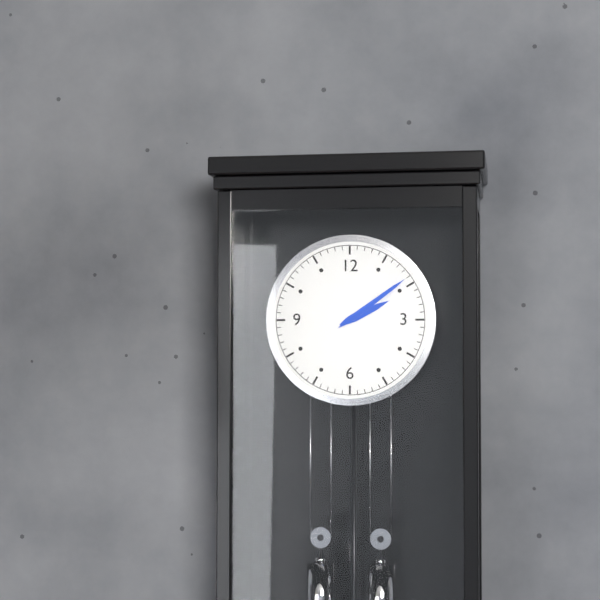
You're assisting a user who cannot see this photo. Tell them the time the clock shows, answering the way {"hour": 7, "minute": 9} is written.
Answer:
{"hour": 2, "minute": 9}
